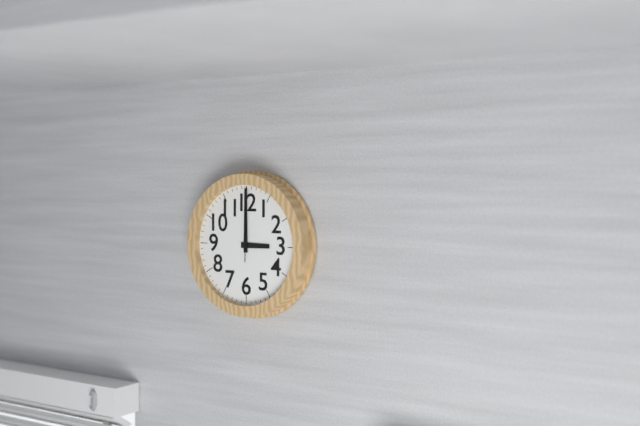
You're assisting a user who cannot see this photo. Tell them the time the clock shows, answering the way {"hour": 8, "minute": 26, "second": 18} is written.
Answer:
{"hour": 3, "minute": 0, "second": 0}
